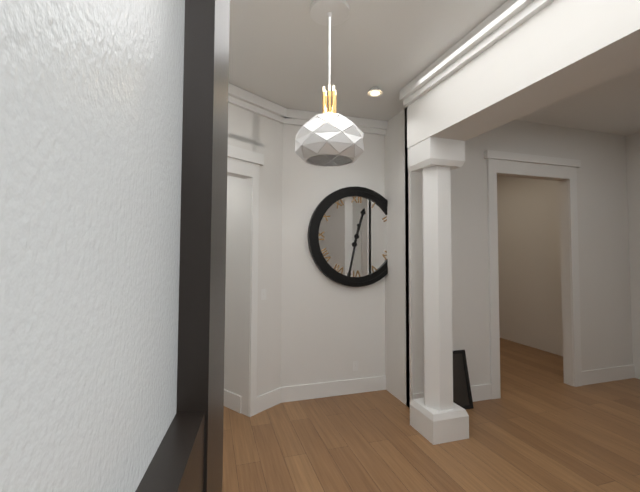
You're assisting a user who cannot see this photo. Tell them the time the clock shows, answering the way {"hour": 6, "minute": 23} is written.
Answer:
{"hour": 12, "minute": 32}
